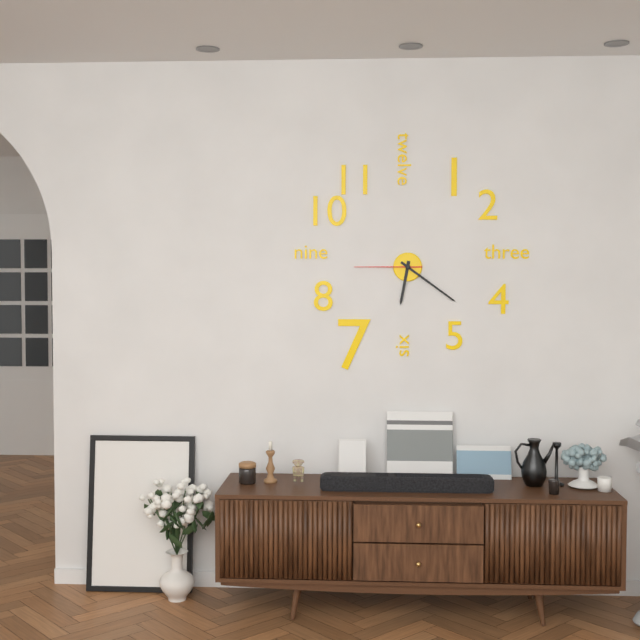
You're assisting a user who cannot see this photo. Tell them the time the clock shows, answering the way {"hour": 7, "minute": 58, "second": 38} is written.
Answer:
{"hour": 6, "minute": 21, "second": 45}
